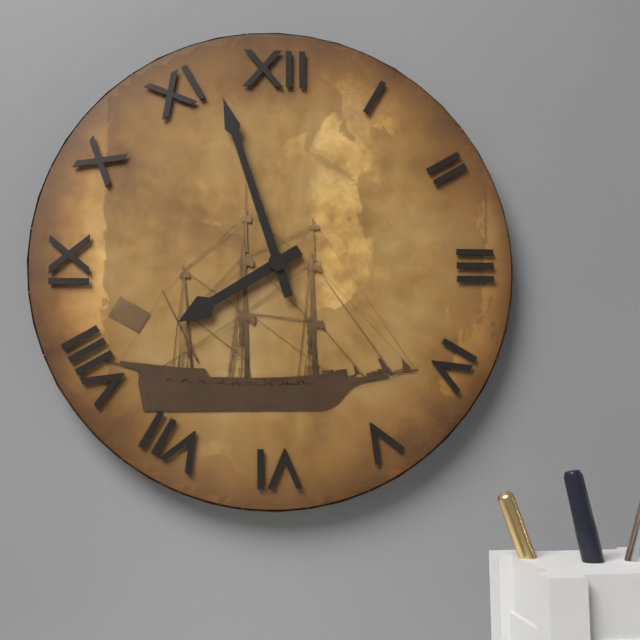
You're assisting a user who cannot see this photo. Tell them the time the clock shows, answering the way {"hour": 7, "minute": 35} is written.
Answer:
{"hour": 7, "minute": 57}
